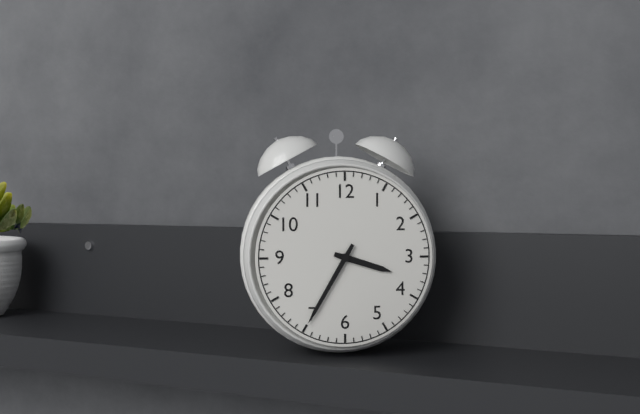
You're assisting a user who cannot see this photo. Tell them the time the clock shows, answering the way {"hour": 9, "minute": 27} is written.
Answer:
{"hour": 3, "minute": 35}
